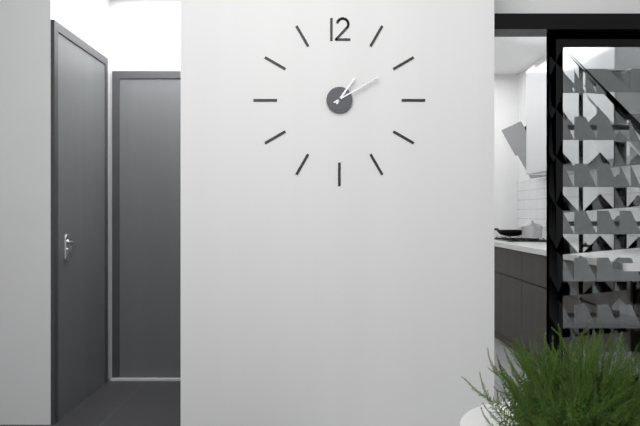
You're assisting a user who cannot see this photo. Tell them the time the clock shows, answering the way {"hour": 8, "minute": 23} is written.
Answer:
{"hour": 1, "minute": 10}
